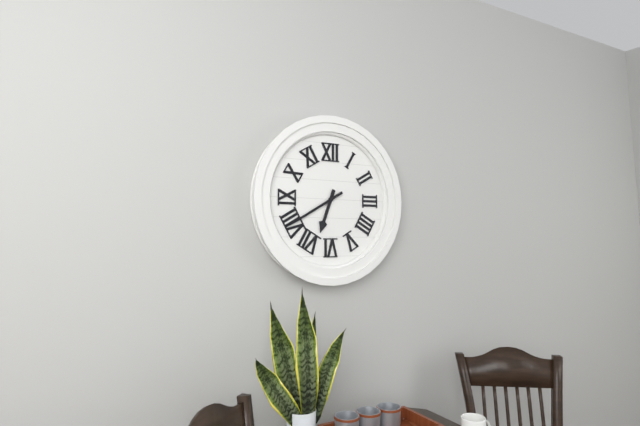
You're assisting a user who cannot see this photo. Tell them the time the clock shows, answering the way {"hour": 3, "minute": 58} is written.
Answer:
{"hour": 6, "minute": 40}
